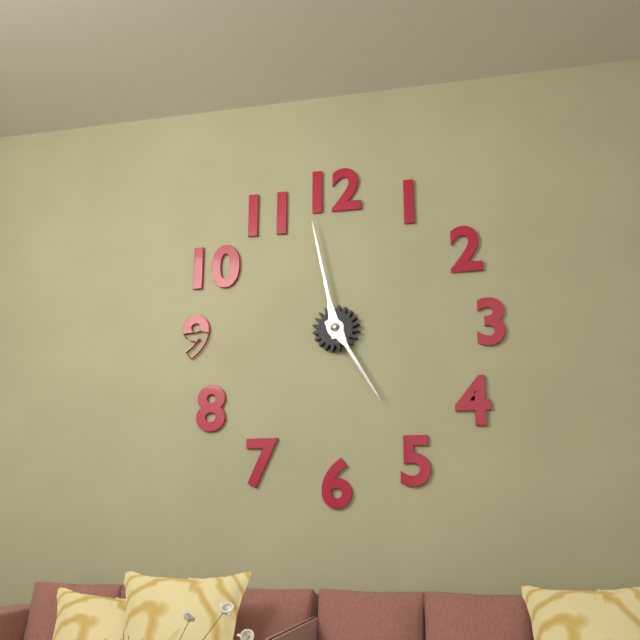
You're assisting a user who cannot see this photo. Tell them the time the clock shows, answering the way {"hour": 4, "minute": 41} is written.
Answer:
{"hour": 4, "minute": 58}
